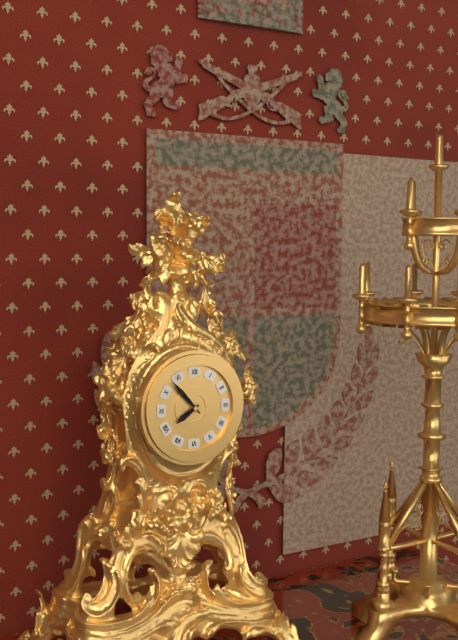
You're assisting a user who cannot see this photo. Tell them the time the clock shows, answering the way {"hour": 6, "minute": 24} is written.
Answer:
{"hour": 7, "minute": 53}
